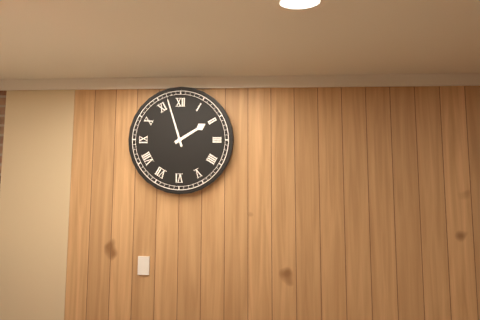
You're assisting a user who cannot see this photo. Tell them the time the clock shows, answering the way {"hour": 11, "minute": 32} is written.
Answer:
{"hour": 1, "minute": 57}
